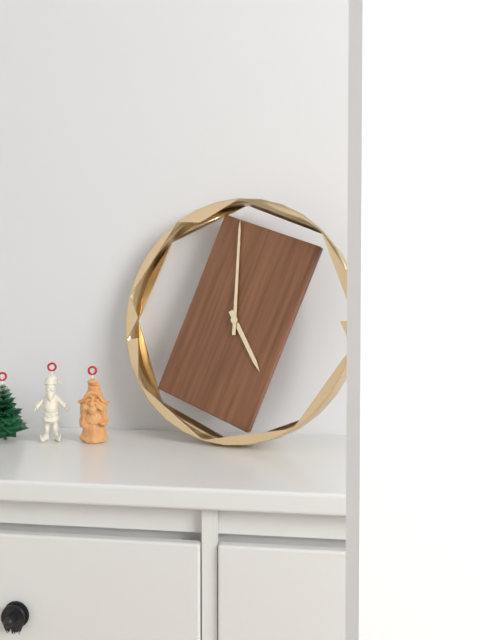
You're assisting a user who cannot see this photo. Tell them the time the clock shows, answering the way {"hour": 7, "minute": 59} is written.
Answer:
{"hour": 5, "minute": 0}
